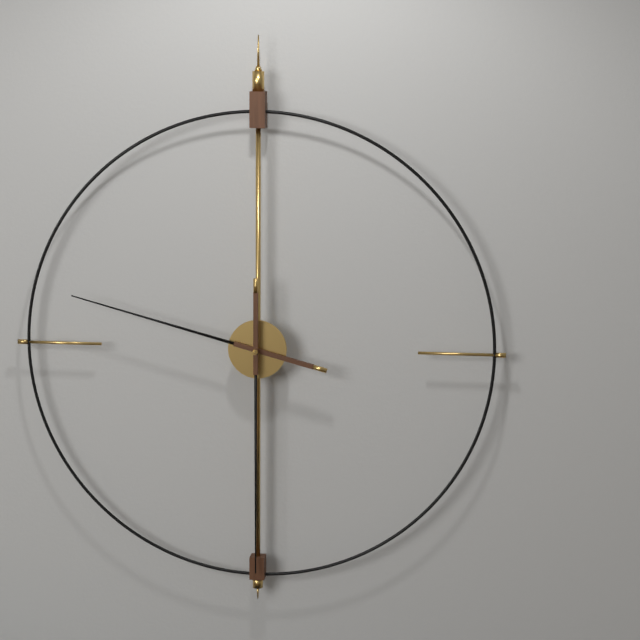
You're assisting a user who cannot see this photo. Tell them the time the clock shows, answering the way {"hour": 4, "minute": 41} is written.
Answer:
{"hour": 9, "minute": 30}
